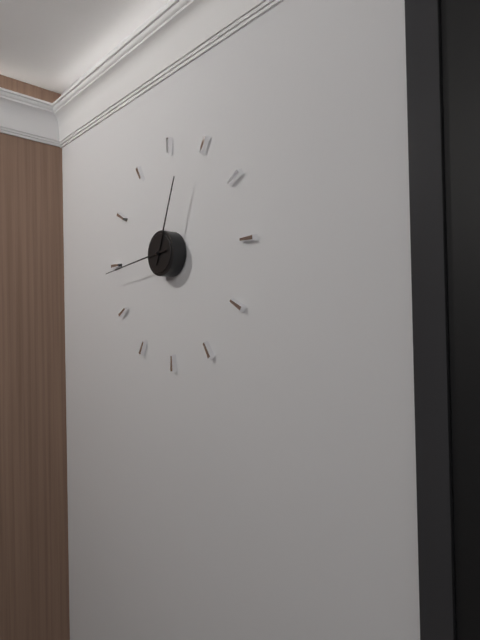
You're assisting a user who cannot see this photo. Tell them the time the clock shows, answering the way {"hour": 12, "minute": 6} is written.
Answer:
{"hour": 12, "minute": 44}
